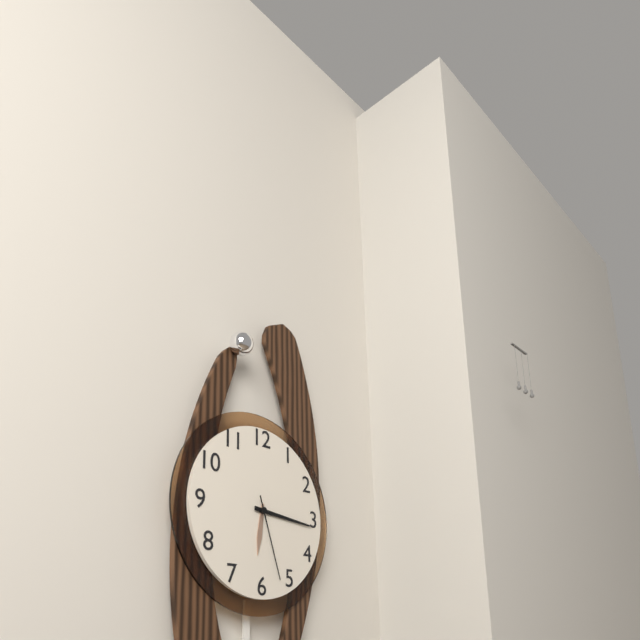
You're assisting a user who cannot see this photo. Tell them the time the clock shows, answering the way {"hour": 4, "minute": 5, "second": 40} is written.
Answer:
{"hour": 6, "minute": 16, "second": 27}
